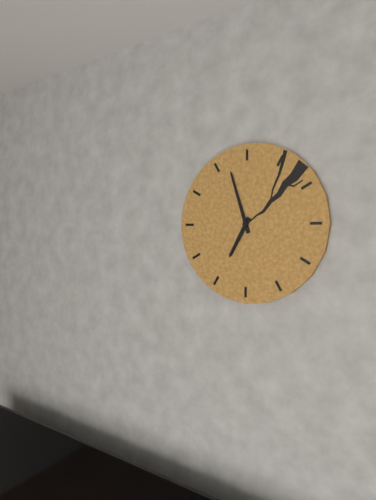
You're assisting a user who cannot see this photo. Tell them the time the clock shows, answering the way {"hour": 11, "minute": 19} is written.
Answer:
{"hour": 6, "minute": 57}
